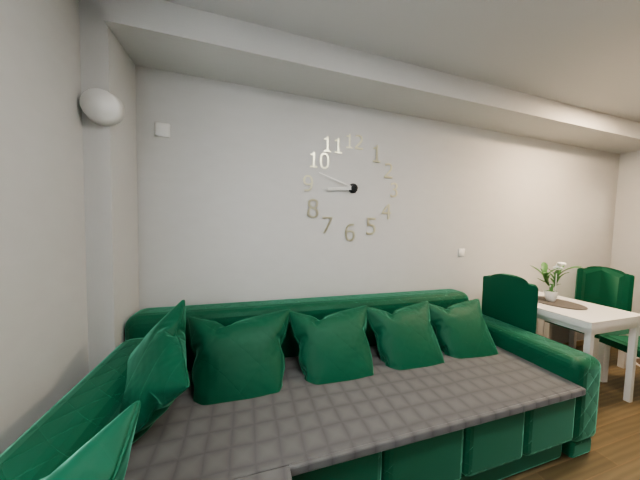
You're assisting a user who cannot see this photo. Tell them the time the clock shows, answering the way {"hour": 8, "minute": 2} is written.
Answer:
{"hour": 8, "minute": 48}
